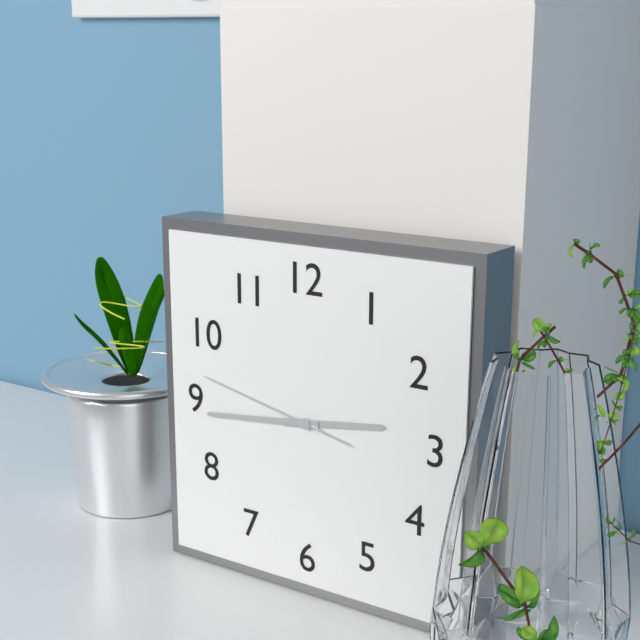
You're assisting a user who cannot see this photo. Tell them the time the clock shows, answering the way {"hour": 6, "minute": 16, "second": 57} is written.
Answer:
{"hour": 2, "minute": 44, "second": 47}
